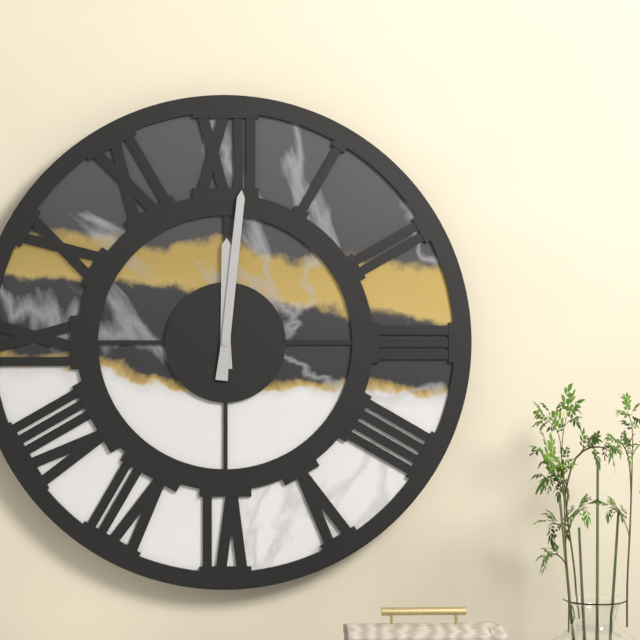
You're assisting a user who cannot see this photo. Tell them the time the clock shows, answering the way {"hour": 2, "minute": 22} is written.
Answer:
{"hour": 12, "minute": 1}
